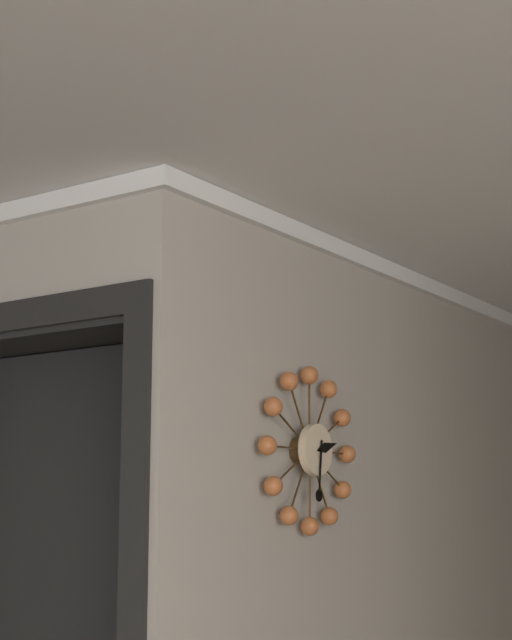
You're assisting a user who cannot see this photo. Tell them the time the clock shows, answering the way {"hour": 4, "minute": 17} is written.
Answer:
{"hour": 2, "minute": 31}
